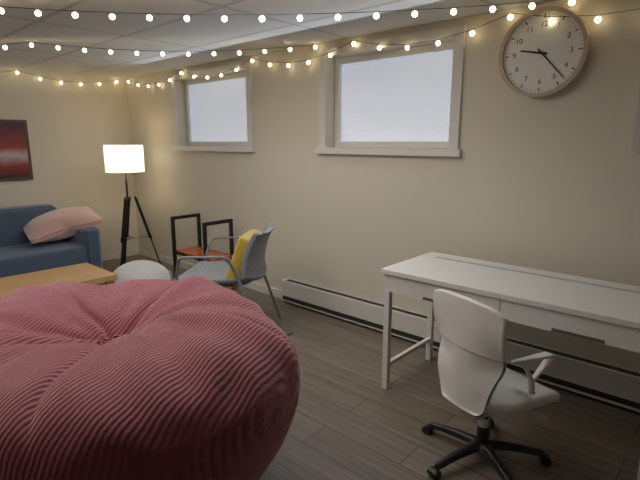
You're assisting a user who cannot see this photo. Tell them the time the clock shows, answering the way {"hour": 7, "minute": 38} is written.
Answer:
{"hour": 9, "minute": 23}
